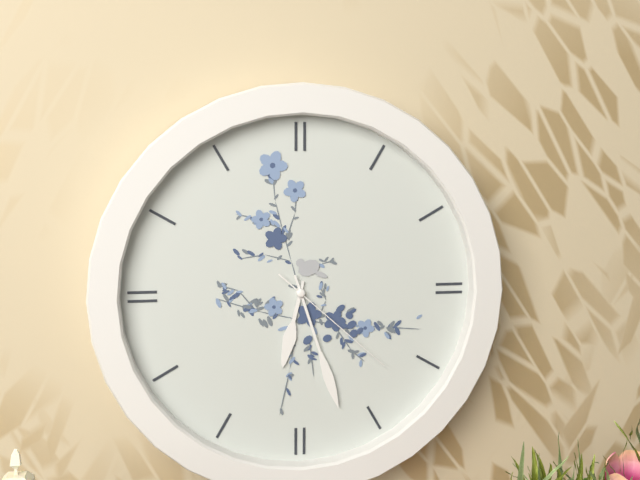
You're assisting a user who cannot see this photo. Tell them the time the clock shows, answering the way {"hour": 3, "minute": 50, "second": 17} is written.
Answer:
{"hour": 6, "minute": 27, "second": 22}
